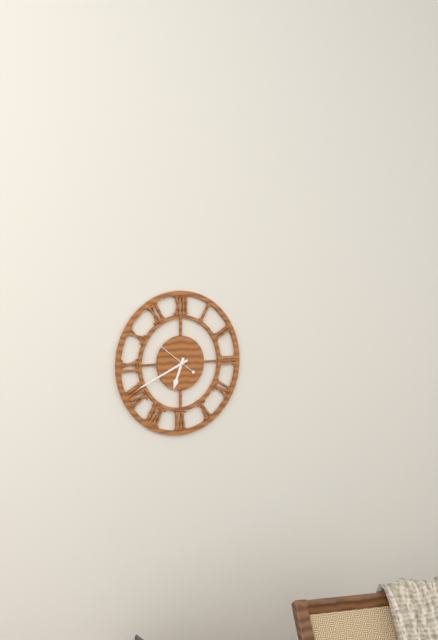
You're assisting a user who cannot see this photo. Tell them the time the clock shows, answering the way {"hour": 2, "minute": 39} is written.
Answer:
{"hour": 6, "minute": 41}
